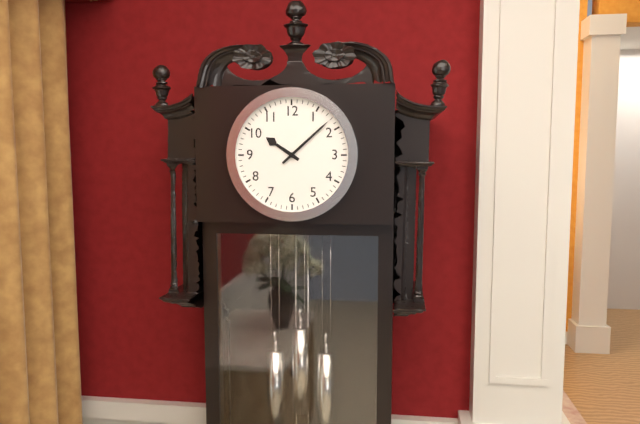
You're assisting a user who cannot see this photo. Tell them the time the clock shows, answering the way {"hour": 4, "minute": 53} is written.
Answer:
{"hour": 10, "minute": 8}
